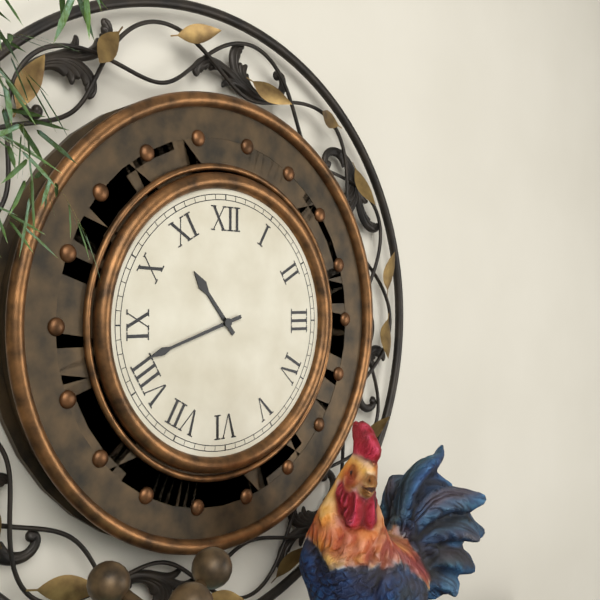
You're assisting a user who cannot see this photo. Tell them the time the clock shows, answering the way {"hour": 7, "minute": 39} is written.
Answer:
{"hour": 10, "minute": 42}
